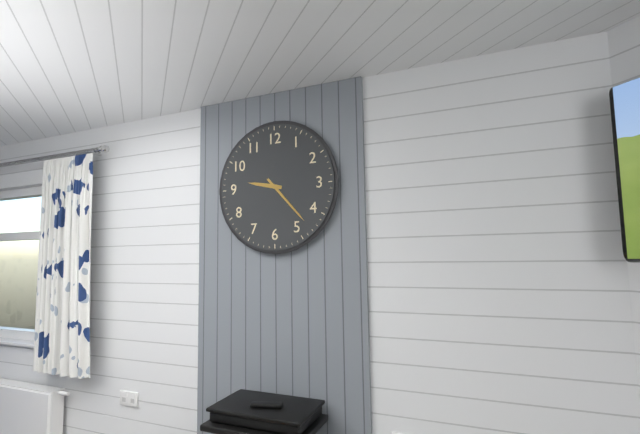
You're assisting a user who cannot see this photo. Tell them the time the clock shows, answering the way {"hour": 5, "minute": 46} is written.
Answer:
{"hour": 9, "minute": 23}
